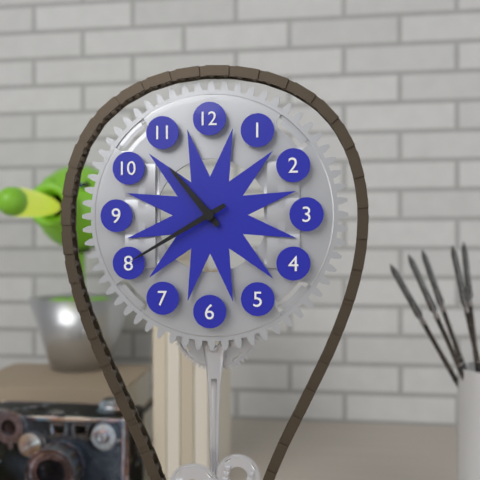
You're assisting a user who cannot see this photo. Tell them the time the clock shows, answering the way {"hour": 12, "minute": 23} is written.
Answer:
{"hour": 10, "minute": 40}
